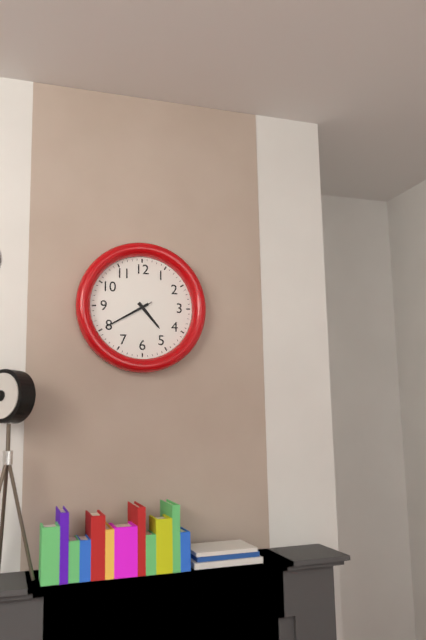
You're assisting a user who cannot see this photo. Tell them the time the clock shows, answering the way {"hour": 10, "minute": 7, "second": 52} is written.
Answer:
{"hour": 4, "minute": 40, "second": 40}
